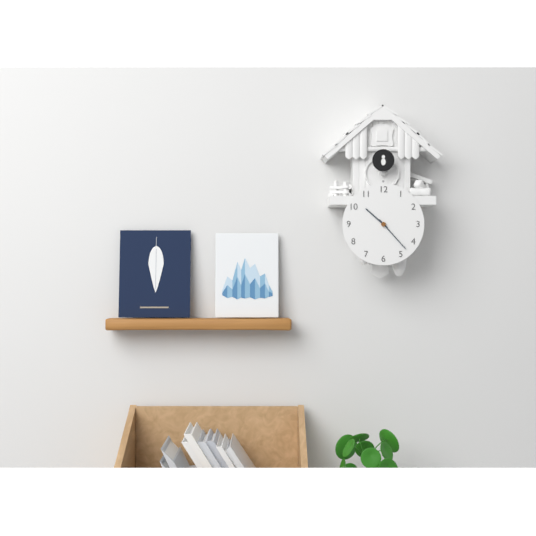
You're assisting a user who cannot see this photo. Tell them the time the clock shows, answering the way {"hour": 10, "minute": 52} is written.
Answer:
{"hour": 10, "minute": 23}
